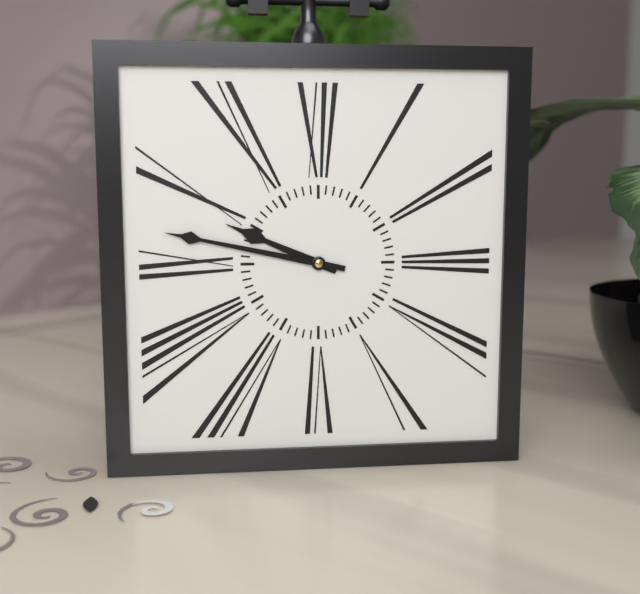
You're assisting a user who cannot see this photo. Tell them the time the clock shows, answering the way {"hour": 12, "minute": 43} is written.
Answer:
{"hour": 9, "minute": 47}
